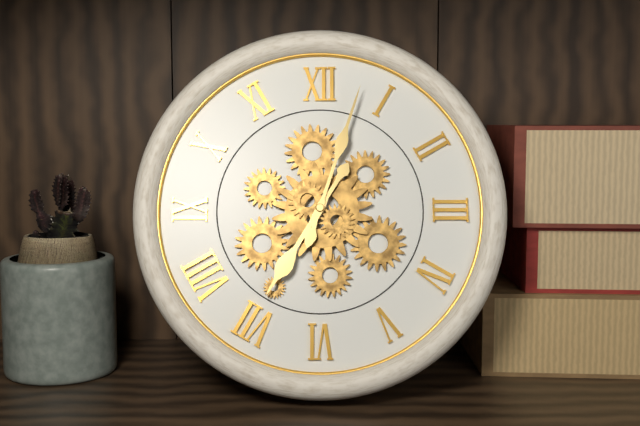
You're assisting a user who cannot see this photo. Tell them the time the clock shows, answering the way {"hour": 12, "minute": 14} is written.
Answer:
{"hour": 7, "minute": 3}
